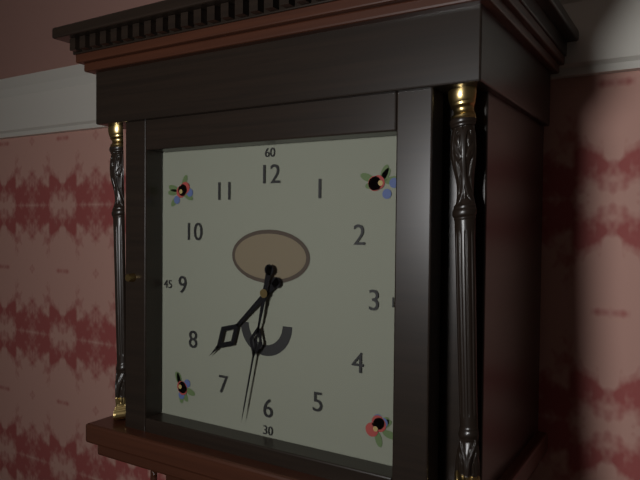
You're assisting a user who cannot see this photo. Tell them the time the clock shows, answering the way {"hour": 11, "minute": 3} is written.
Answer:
{"hour": 7, "minute": 32}
